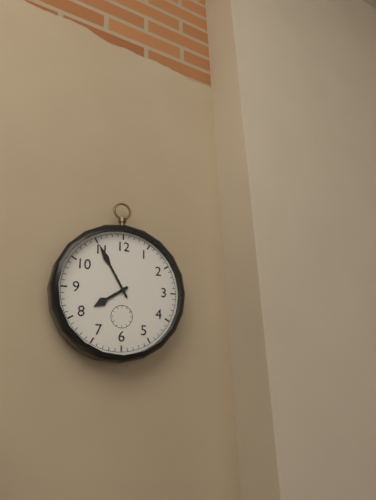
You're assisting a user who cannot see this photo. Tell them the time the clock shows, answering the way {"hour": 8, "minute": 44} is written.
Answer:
{"hour": 7, "minute": 55}
